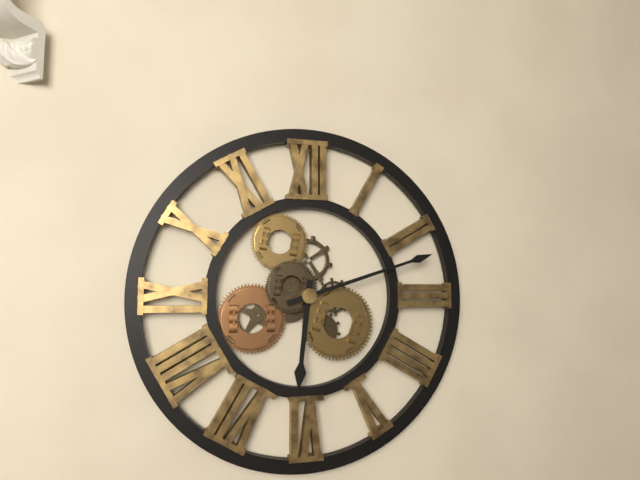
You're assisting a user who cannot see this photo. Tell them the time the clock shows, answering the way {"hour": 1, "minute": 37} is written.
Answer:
{"hour": 6, "minute": 12}
